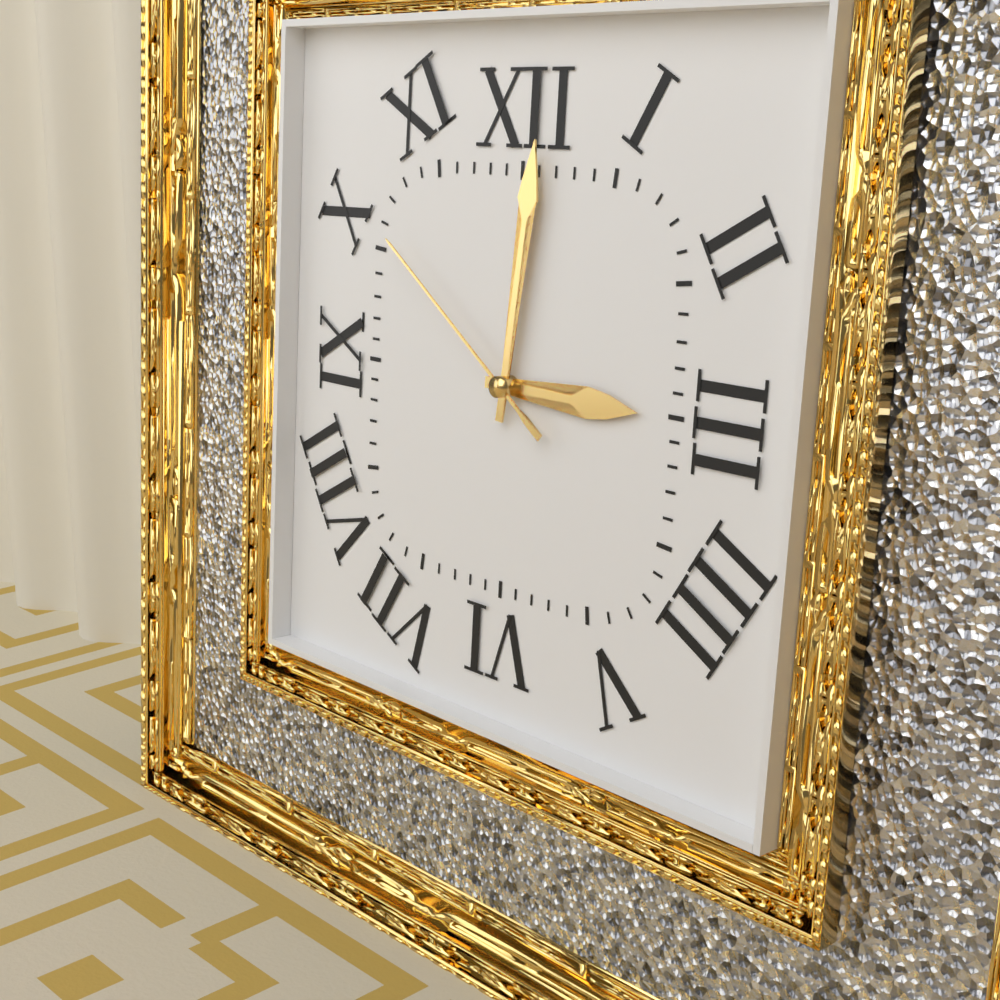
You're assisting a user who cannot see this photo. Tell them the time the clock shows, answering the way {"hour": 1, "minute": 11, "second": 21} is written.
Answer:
{"hour": 3, "minute": 1, "second": 51}
